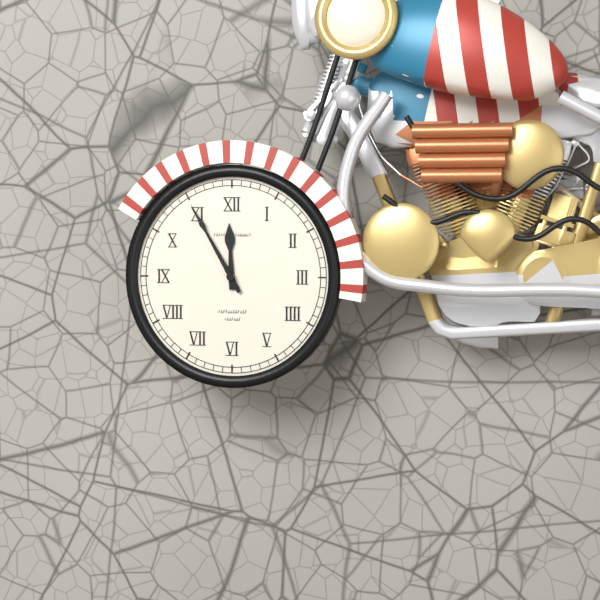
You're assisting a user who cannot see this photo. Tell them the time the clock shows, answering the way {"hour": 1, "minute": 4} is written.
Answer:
{"hour": 11, "minute": 55}
